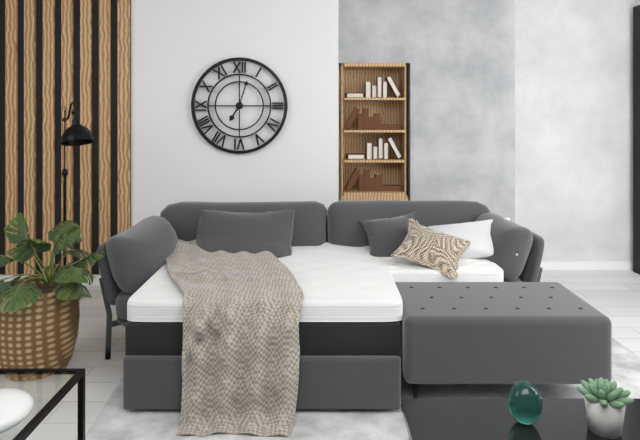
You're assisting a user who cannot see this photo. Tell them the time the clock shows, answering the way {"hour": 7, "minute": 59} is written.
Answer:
{"hour": 7, "minute": 3}
